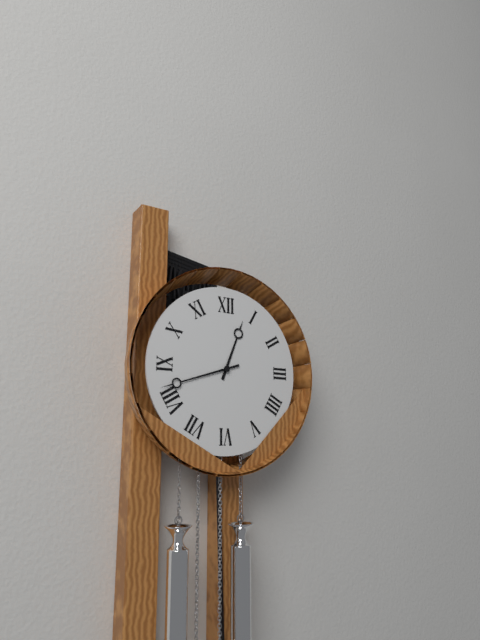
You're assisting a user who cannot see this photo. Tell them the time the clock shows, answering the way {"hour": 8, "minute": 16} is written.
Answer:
{"hour": 12, "minute": 42}
